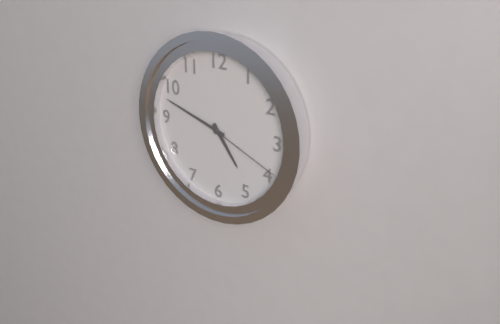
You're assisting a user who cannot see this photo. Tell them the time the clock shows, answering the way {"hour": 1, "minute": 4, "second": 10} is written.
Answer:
{"hour": 4, "minute": 48, "second": 19}
